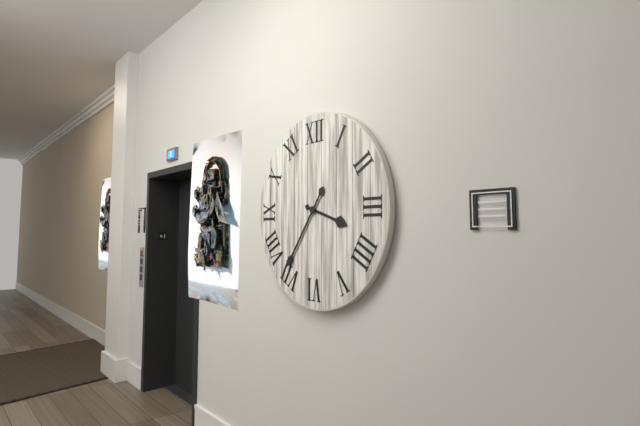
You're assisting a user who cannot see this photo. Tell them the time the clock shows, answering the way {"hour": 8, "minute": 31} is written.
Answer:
{"hour": 3, "minute": 36}
